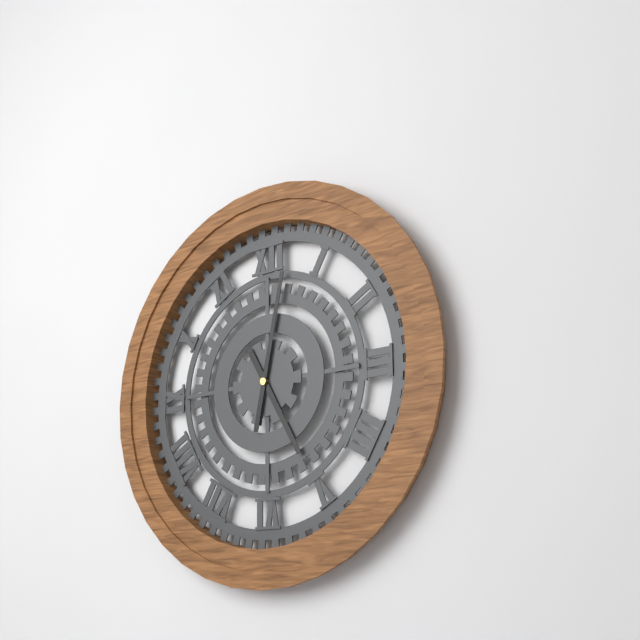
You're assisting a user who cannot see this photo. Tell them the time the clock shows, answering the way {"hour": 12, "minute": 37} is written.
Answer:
{"hour": 5, "minute": 2}
